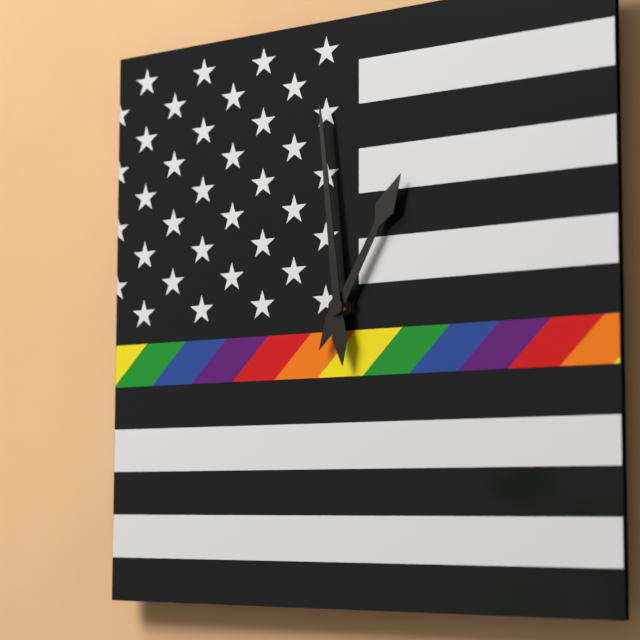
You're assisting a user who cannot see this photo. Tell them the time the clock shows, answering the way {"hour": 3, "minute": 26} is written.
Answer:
{"hour": 12, "minute": 59}
